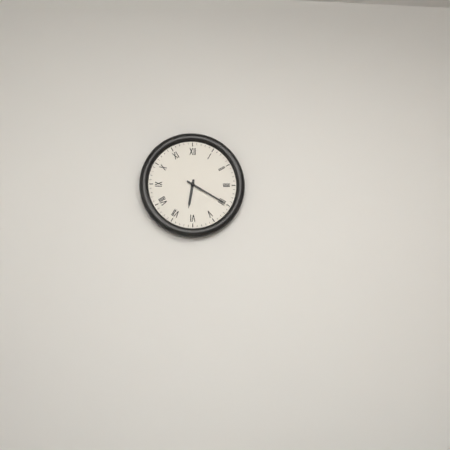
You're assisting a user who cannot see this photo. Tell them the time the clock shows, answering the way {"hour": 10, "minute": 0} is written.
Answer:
{"hour": 6, "minute": 20}
